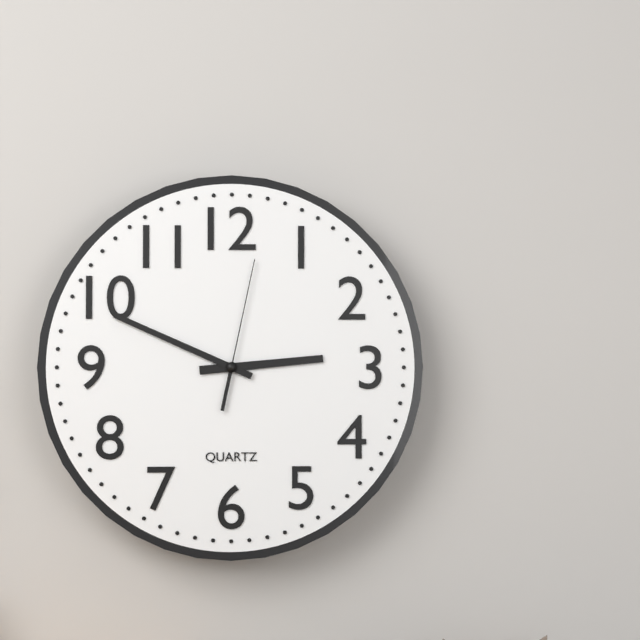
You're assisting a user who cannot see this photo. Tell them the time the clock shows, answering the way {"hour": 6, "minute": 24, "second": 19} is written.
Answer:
{"hour": 2, "minute": 49, "second": 2}
